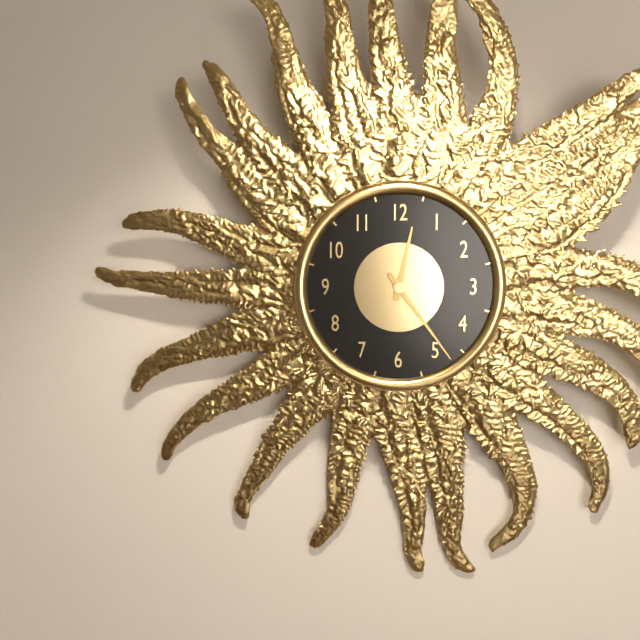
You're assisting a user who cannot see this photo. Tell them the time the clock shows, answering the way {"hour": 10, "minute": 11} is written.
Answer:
{"hour": 12, "minute": 24}
